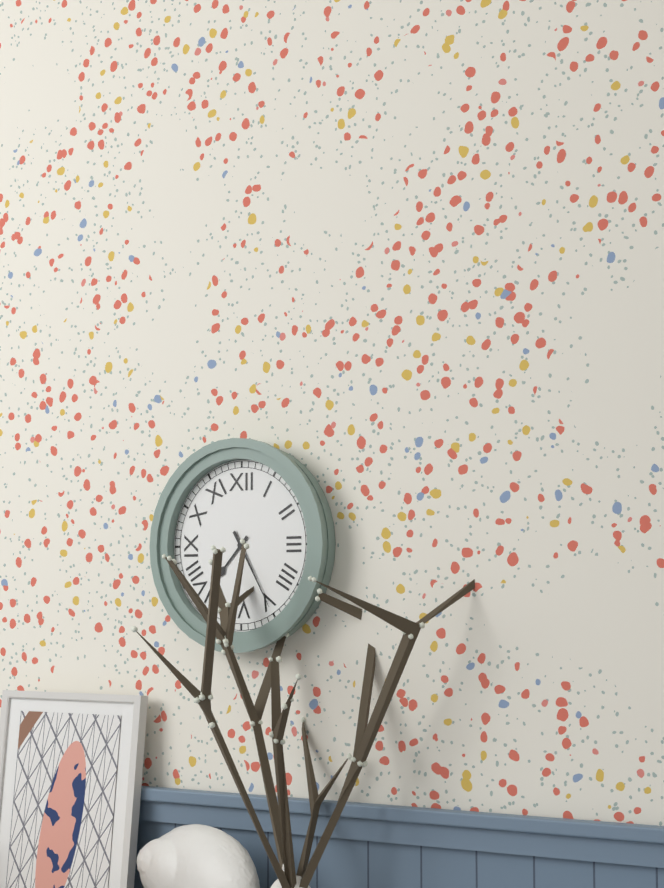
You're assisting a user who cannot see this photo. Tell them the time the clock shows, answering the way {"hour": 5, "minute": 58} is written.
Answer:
{"hour": 7, "minute": 25}
